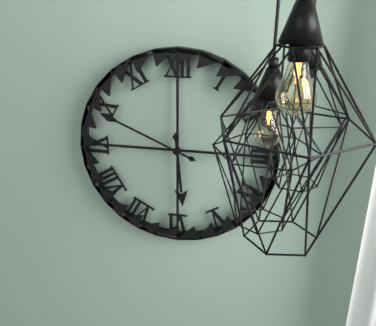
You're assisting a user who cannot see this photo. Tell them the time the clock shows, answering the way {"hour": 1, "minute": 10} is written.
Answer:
{"hour": 5, "minute": 49}
